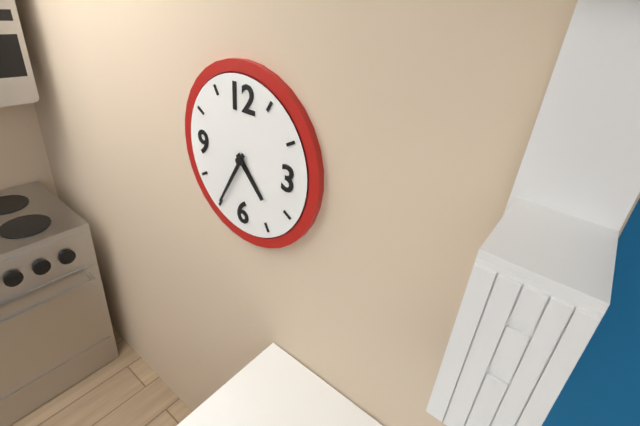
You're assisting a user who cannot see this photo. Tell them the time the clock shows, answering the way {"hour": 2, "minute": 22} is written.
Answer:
{"hour": 4, "minute": 35}
